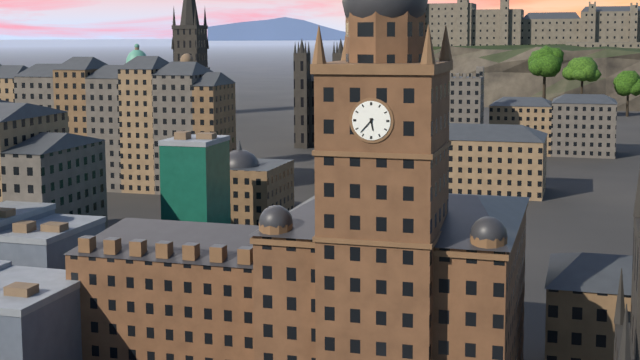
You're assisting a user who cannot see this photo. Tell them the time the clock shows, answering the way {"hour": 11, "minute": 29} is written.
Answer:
{"hour": 5, "minute": 37}
